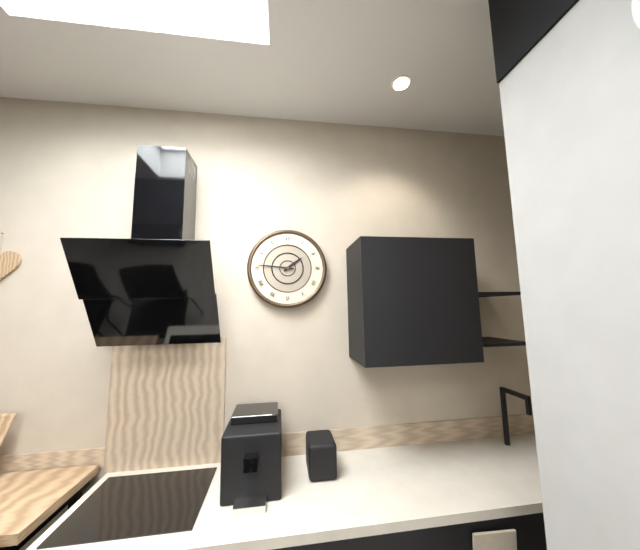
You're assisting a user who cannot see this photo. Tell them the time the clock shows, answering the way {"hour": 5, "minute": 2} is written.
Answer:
{"hour": 1, "minute": 46}
